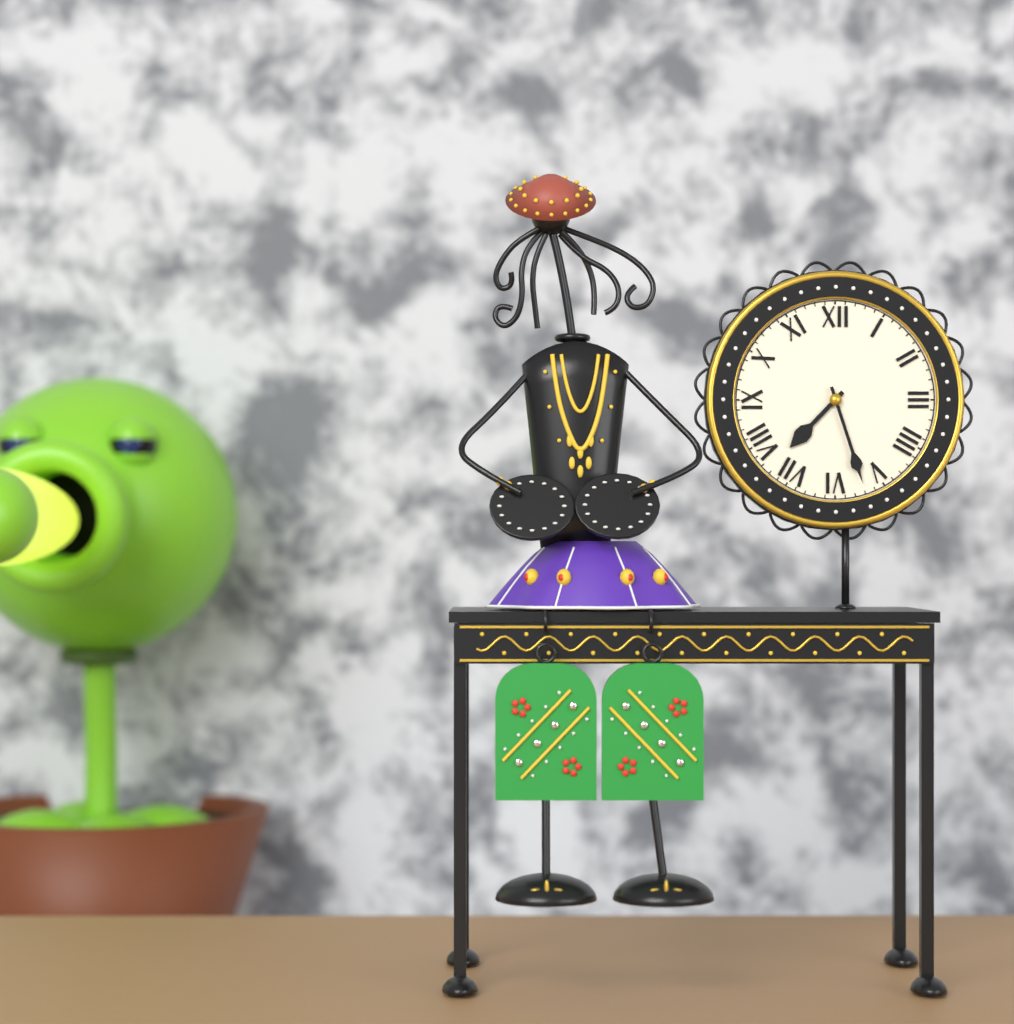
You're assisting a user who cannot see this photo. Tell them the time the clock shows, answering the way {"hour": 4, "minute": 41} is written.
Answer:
{"hour": 7, "minute": 27}
